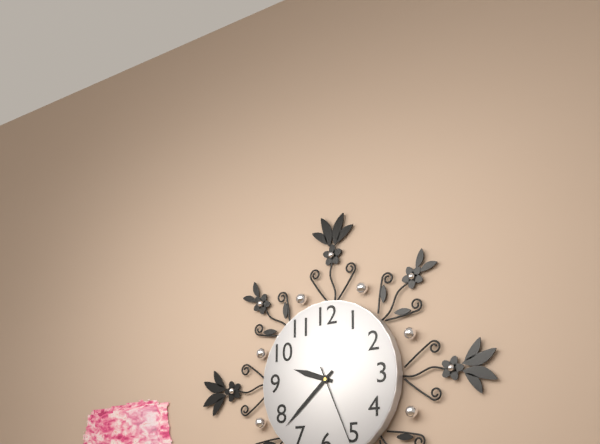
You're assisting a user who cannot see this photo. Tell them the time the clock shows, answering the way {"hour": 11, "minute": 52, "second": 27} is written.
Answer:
{"hour": 9, "minute": 38, "second": 26}
